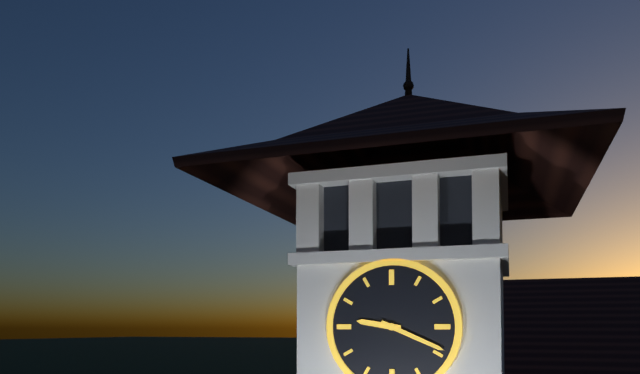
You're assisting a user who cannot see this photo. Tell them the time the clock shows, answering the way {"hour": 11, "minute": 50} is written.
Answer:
{"hour": 9, "minute": 19}
